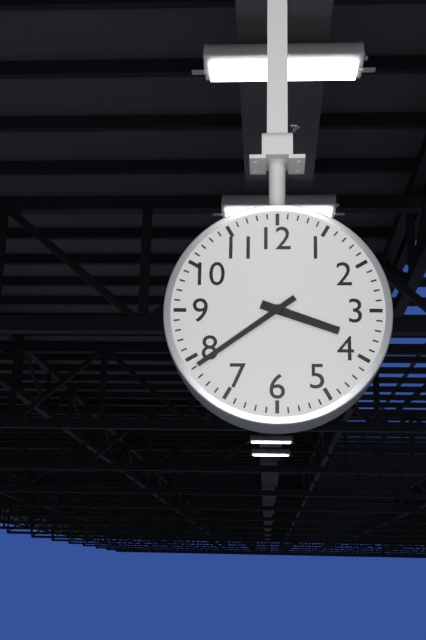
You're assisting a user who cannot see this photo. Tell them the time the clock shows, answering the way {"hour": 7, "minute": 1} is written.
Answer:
{"hour": 3, "minute": 39}
